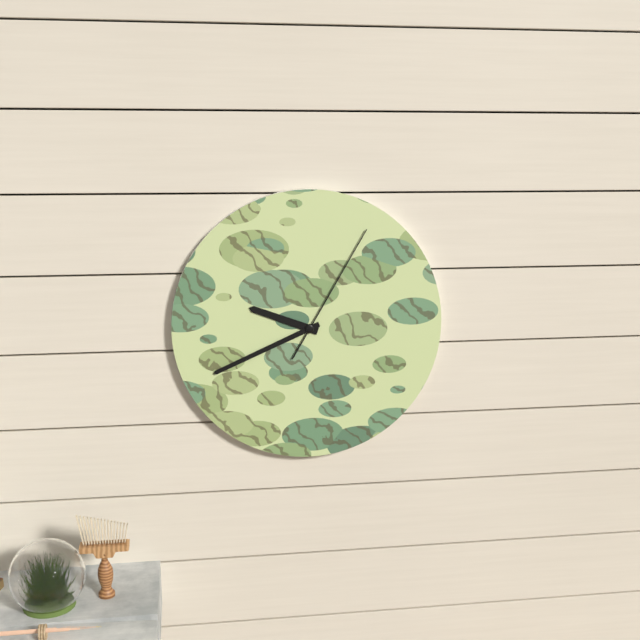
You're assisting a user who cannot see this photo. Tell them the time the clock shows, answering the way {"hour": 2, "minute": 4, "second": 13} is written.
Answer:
{"hour": 9, "minute": 41, "second": 5}
